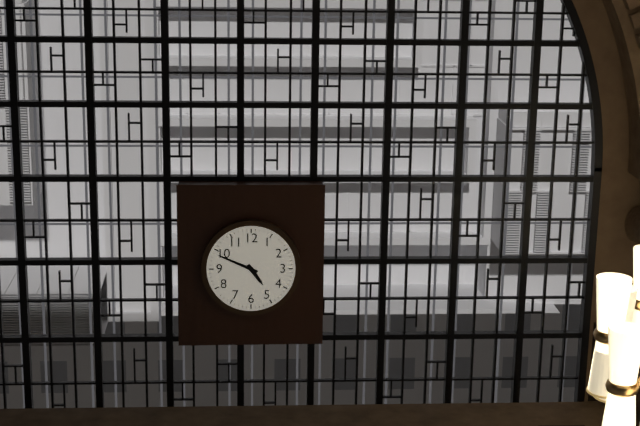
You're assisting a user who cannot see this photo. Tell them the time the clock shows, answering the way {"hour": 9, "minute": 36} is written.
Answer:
{"hour": 4, "minute": 49}
